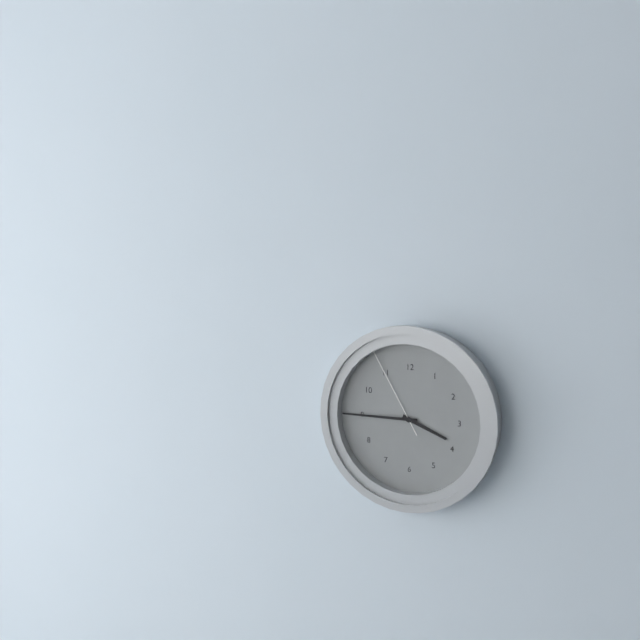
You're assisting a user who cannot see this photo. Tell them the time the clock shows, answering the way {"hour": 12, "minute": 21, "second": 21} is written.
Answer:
{"hour": 3, "minute": 45, "second": 55}
